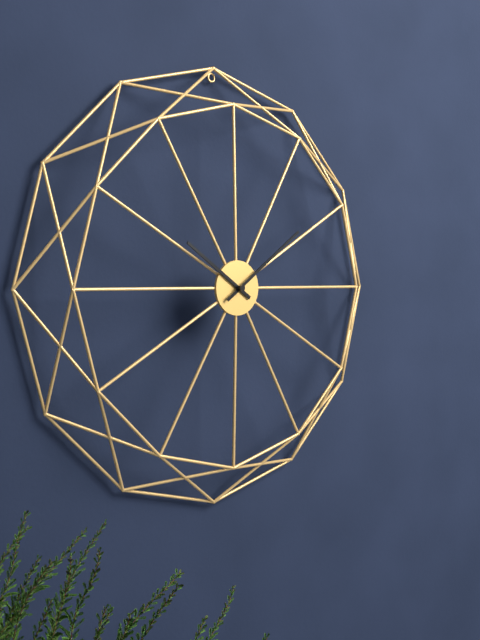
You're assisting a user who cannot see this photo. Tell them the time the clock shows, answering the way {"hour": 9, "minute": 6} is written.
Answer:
{"hour": 10, "minute": 9}
